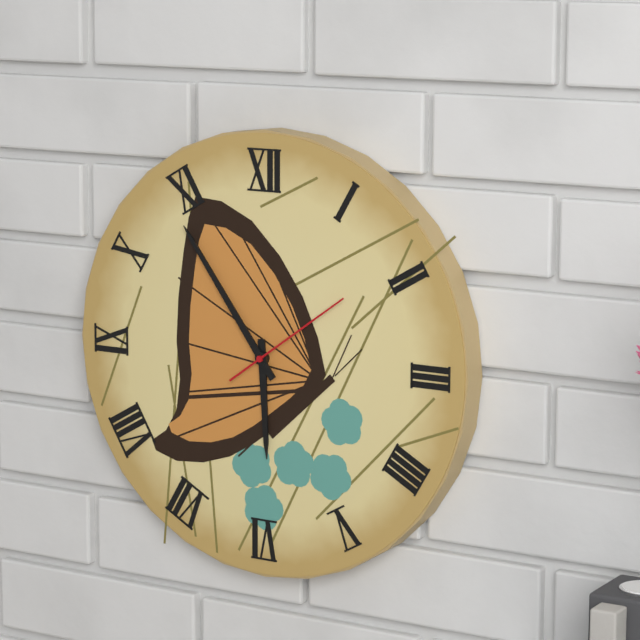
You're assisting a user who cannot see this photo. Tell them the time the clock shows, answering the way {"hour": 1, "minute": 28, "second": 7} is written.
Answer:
{"hour": 5, "minute": 54, "second": 9}
